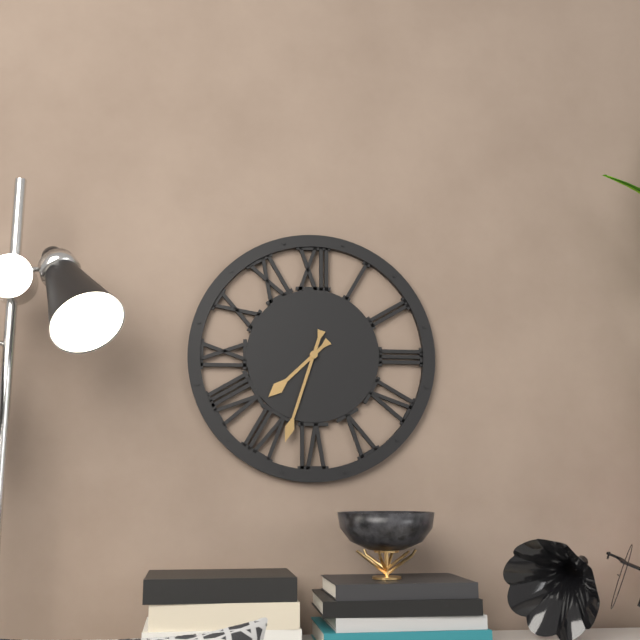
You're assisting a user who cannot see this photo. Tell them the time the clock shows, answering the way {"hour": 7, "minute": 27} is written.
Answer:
{"hour": 7, "minute": 33}
